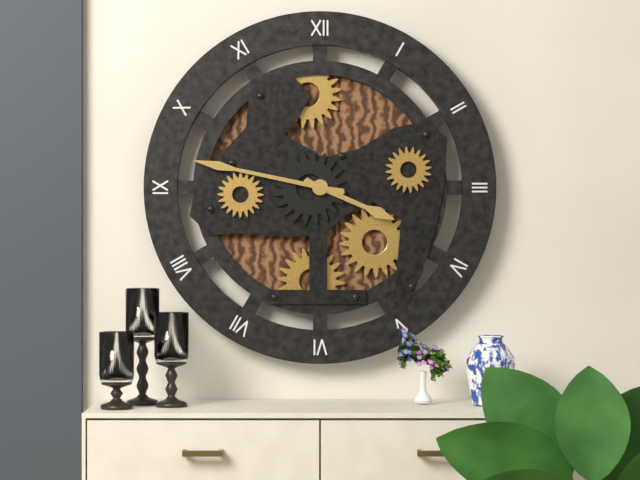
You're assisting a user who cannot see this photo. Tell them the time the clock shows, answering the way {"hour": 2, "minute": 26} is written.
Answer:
{"hour": 3, "minute": 47}
